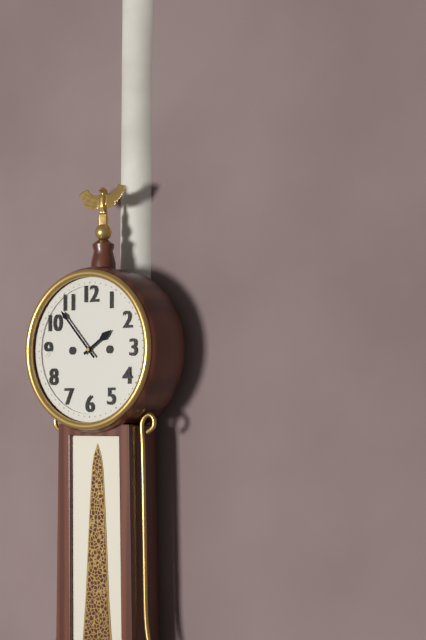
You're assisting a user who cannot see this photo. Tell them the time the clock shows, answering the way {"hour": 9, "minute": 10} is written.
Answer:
{"hour": 1, "minute": 53}
